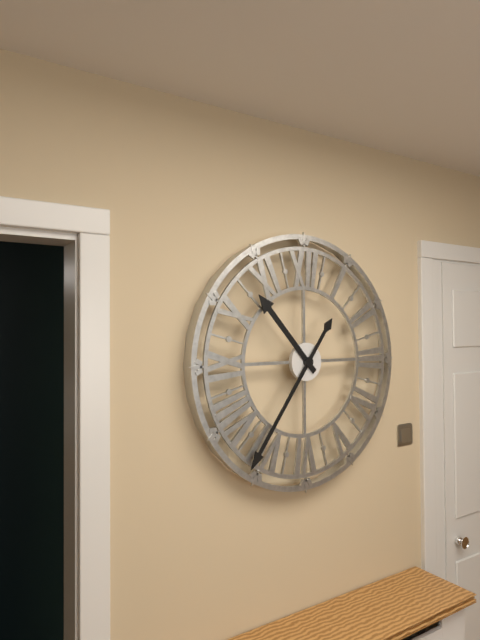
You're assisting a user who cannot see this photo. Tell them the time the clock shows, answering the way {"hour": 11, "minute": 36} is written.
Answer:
{"hour": 10, "minute": 36}
